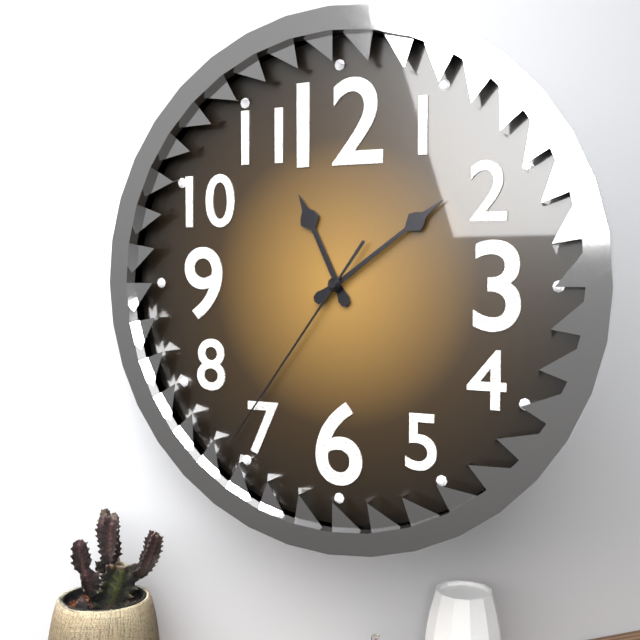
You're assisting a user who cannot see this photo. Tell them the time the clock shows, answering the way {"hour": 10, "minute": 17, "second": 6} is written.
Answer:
{"hour": 11, "minute": 9, "second": 36}
